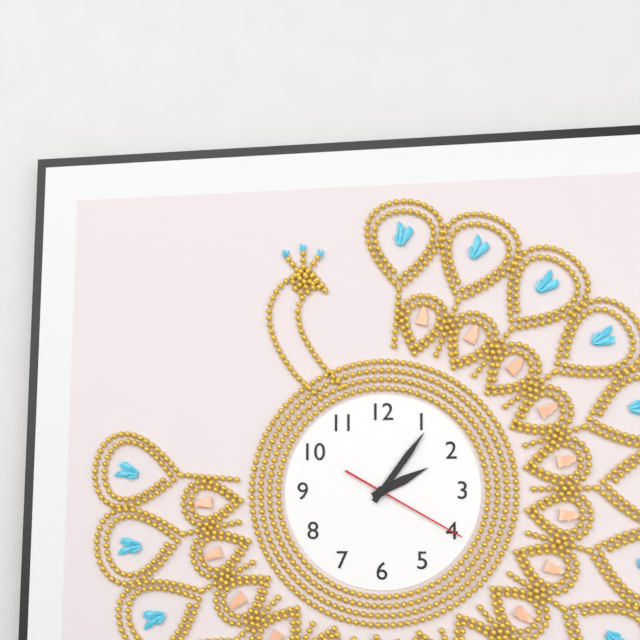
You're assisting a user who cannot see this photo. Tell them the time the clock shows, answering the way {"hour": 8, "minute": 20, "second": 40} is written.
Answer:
{"hour": 2, "minute": 6, "second": 20}
